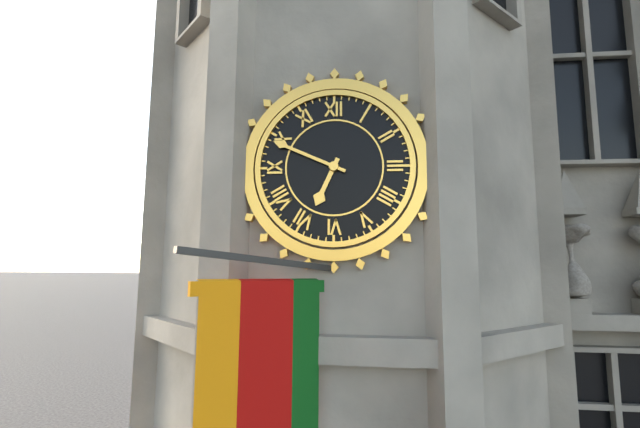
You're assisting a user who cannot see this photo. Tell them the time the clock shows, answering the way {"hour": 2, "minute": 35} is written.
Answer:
{"hour": 6, "minute": 49}
